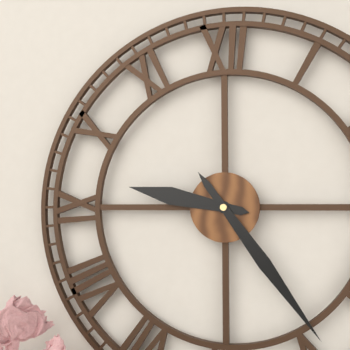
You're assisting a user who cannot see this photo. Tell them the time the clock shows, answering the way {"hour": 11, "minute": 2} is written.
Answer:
{"hour": 9, "minute": 24}
